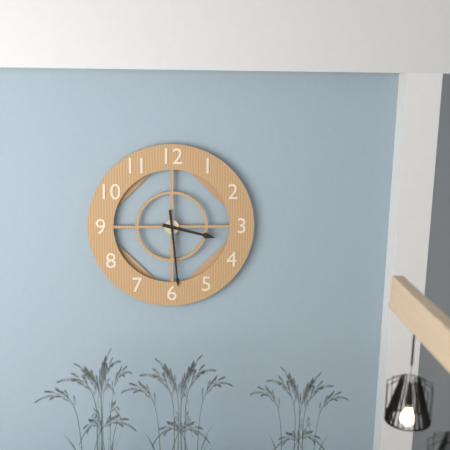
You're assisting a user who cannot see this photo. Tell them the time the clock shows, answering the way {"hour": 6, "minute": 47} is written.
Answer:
{"hour": 3, "minute": 29}
